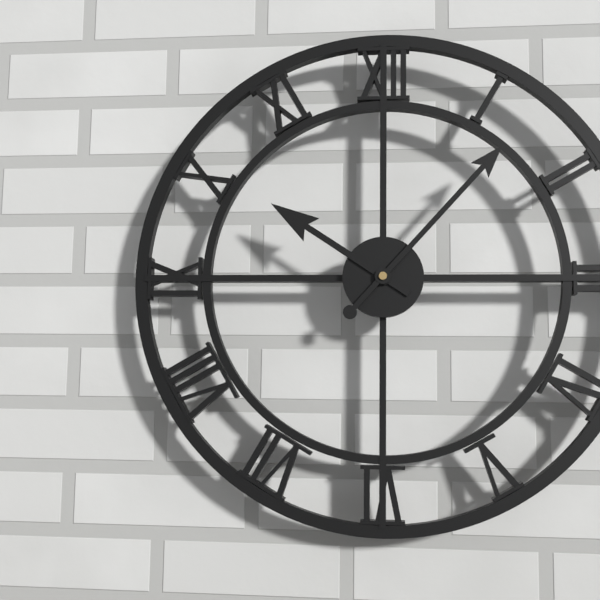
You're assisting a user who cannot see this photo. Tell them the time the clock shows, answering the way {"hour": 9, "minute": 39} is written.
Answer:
{"hour": 10, "minute": 7}
